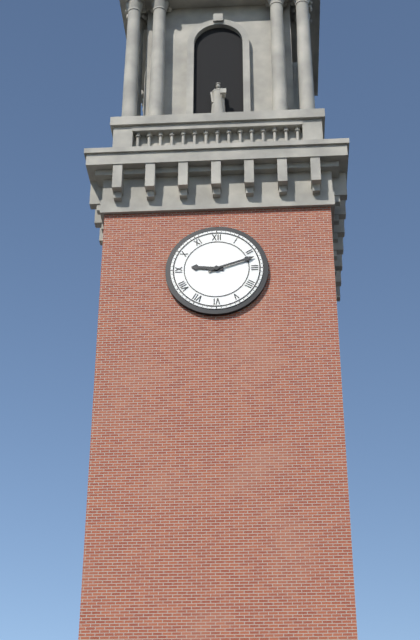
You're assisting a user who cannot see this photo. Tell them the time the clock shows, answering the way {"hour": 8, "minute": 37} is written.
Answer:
{"hour": 9, "minute": 12}
